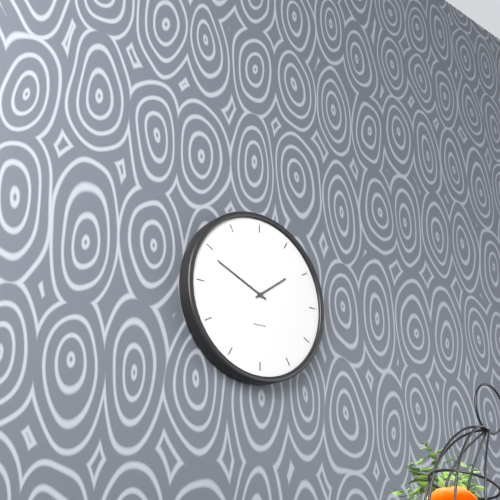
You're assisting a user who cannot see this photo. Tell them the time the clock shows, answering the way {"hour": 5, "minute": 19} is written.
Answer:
{"hour": 1, "minute": 49}
